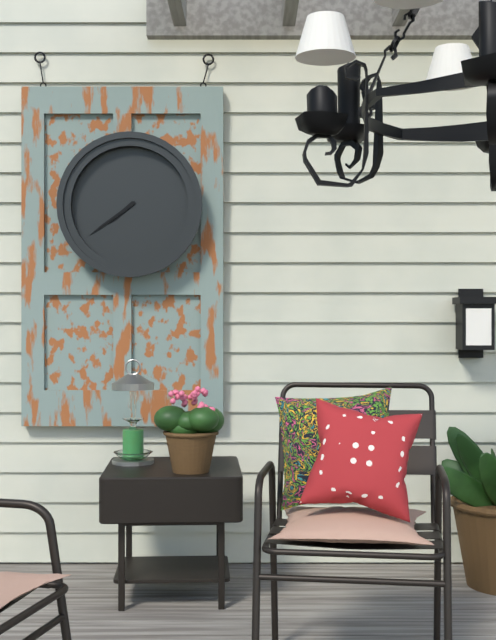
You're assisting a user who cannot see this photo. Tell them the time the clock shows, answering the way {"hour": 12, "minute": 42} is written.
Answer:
{"hour": 7, "minute": 39}
